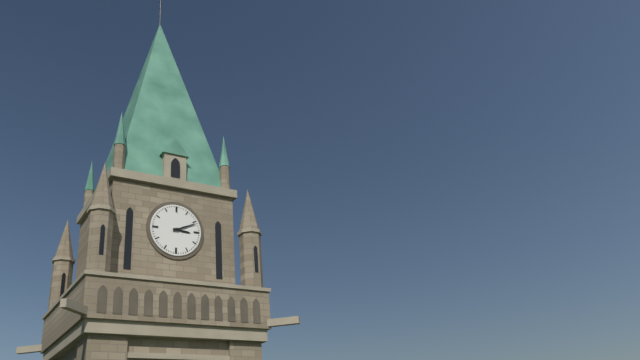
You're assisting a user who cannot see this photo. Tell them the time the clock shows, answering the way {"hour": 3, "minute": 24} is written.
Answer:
{"hour": 3, "minute": 11}
